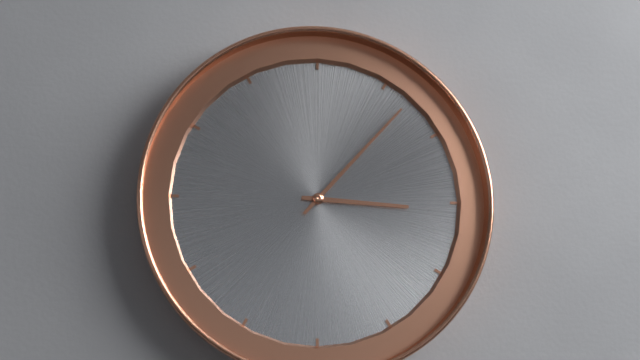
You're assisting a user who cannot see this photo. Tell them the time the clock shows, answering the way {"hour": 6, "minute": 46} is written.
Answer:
{"hour": 3, "minute": 7}
